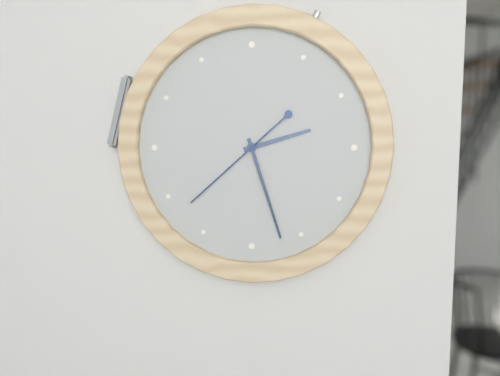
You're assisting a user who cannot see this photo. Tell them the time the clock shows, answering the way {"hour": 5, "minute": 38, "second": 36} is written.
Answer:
{"hour": 2, "minute": 27, "second": 38}
